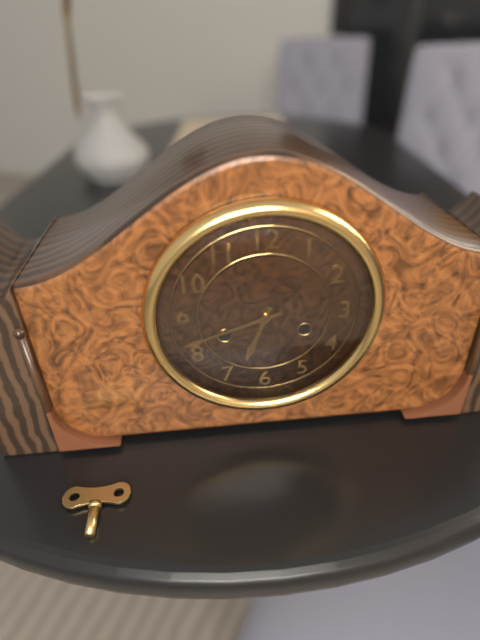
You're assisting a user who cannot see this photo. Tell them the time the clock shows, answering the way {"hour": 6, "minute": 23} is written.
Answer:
{"hour": 6, "minute": 42}
